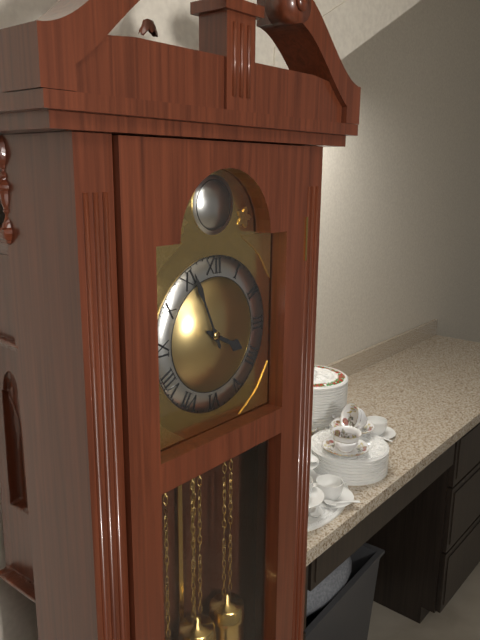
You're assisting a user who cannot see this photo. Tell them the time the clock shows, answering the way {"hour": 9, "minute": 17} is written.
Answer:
{"hour": 3, "minute": 56}
